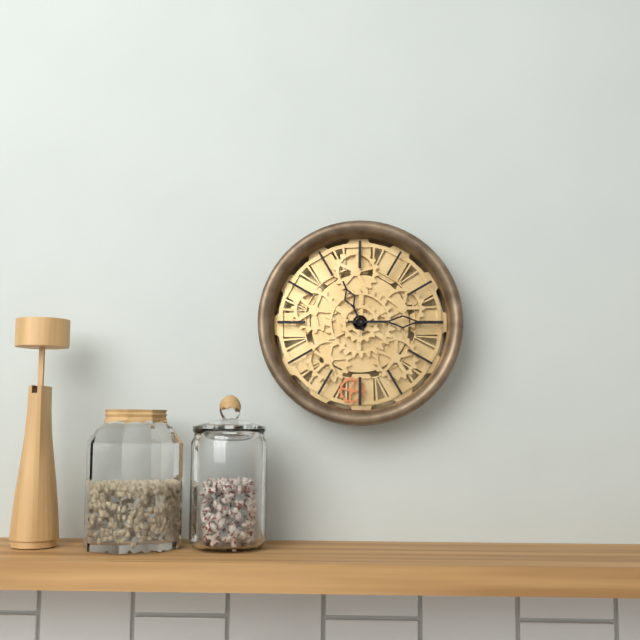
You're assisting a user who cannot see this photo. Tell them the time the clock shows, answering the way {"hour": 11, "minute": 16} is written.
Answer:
{"hour": 11, "minute": 15}
